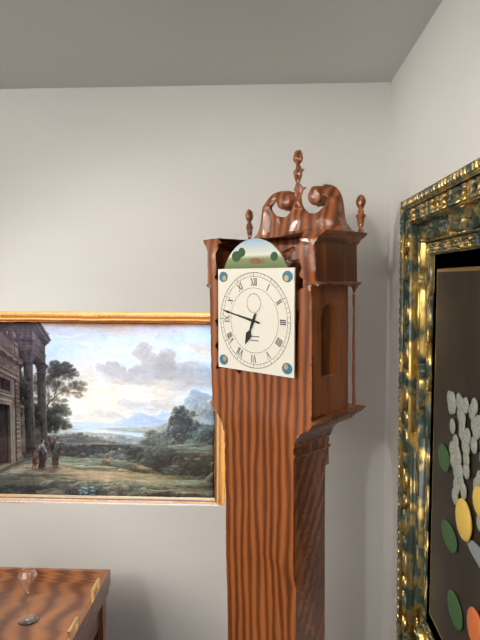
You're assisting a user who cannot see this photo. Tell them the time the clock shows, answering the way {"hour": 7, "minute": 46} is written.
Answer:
{"hour": 6, "minute": 47}
